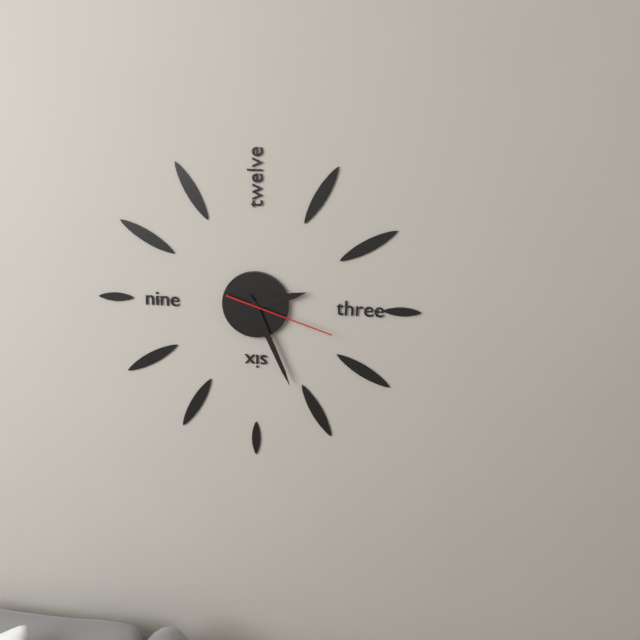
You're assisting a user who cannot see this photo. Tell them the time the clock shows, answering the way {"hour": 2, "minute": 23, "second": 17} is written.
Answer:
{"hour": 2, "minute": 26, "second": 18}
